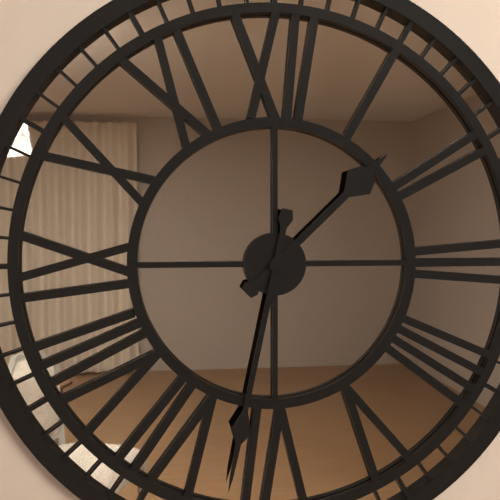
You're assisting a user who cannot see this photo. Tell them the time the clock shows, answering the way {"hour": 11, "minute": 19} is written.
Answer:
{"hour": 1, "minute": 32}
